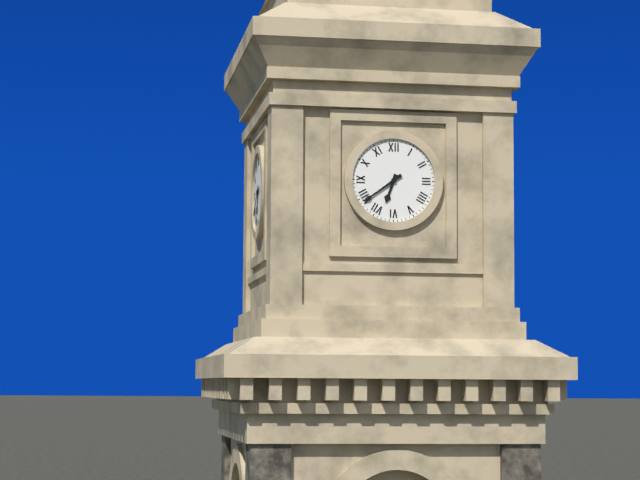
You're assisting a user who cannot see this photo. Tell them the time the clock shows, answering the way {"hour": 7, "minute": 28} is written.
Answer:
{"hour": 6, "minute": 39}
